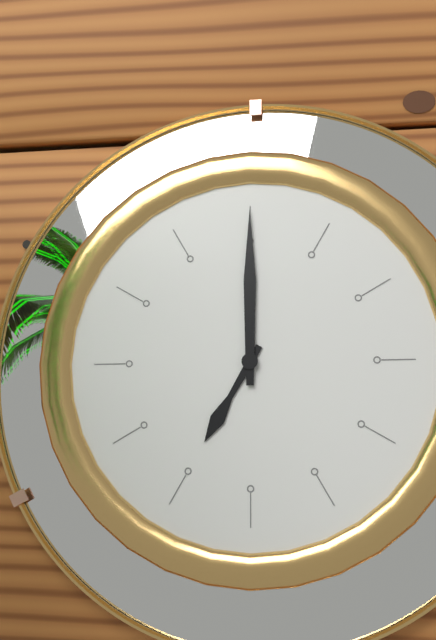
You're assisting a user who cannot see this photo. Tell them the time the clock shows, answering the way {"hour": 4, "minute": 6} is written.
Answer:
{"hour": 7, "minute": 0}
